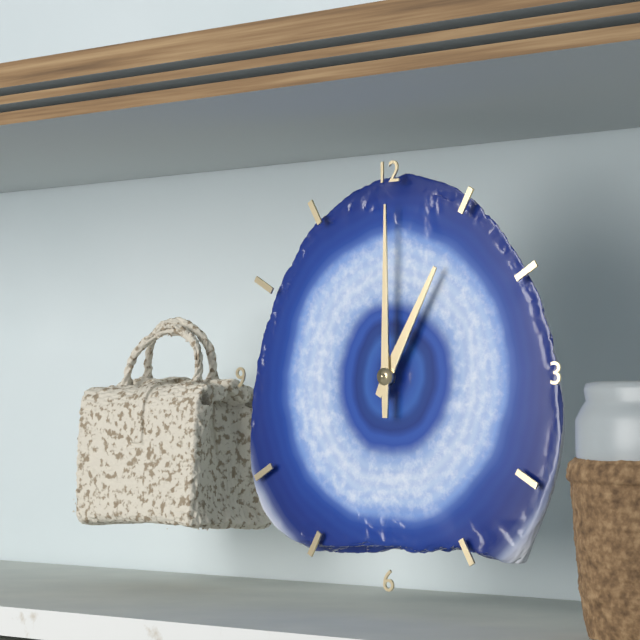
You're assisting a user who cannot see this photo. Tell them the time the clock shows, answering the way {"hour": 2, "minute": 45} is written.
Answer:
{"hour": 1, "minute": 0}
